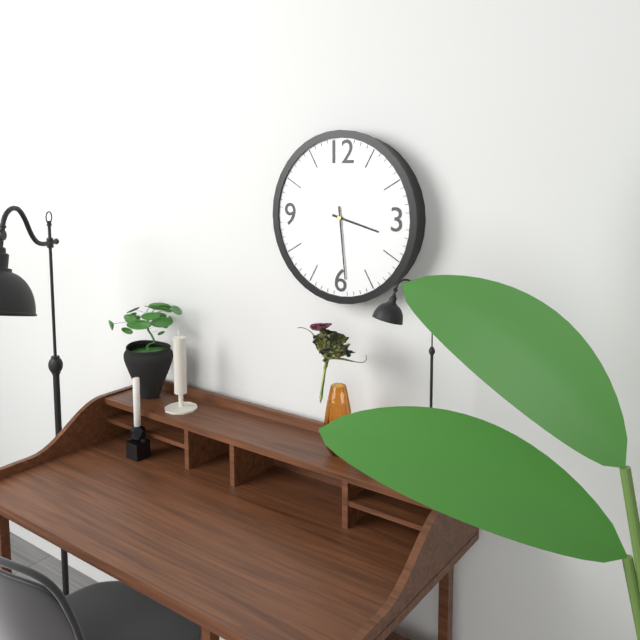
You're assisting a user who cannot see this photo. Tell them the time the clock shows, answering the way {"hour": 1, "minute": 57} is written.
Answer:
{"hour": 3, "minute": 29}
